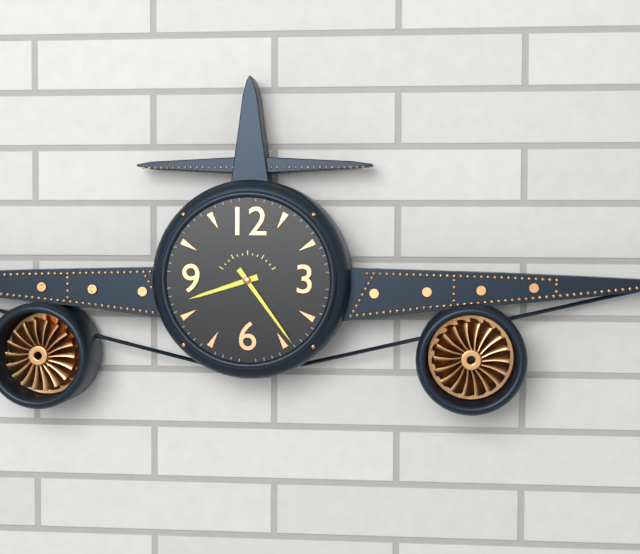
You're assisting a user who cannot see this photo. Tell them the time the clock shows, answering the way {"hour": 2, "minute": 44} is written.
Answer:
{"hour": 8, "minute": 24}
